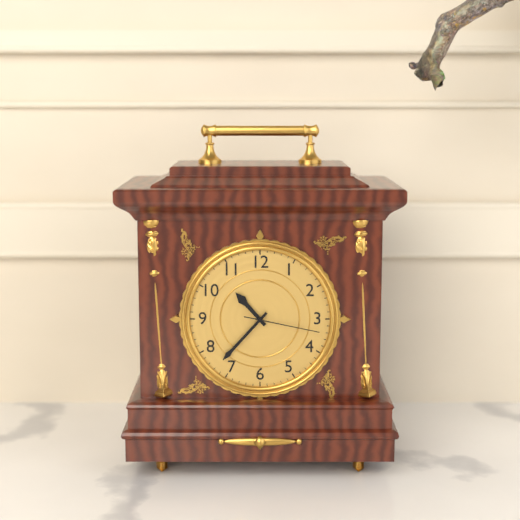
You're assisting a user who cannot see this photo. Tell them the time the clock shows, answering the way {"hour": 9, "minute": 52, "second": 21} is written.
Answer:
{"hour": 10, "minute": 37, "second": 17}
